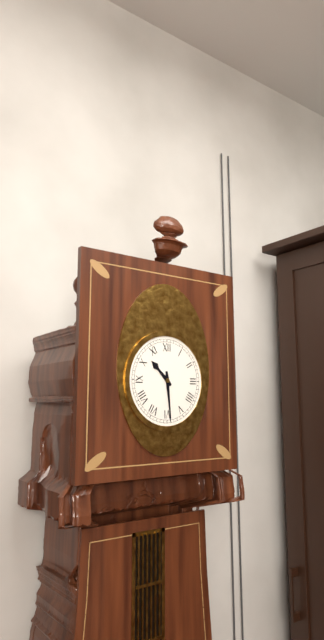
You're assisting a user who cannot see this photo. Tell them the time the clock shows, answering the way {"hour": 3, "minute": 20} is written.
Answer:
{"hour": 10, "minute": 29}
